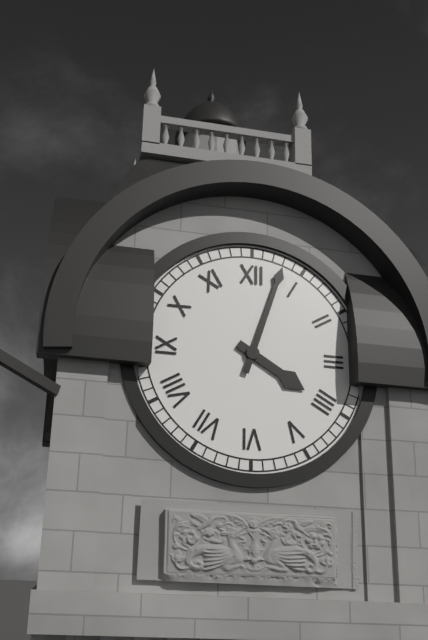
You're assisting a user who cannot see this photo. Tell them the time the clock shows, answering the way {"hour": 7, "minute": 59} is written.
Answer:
{"hour": 4, "minute": 3}
